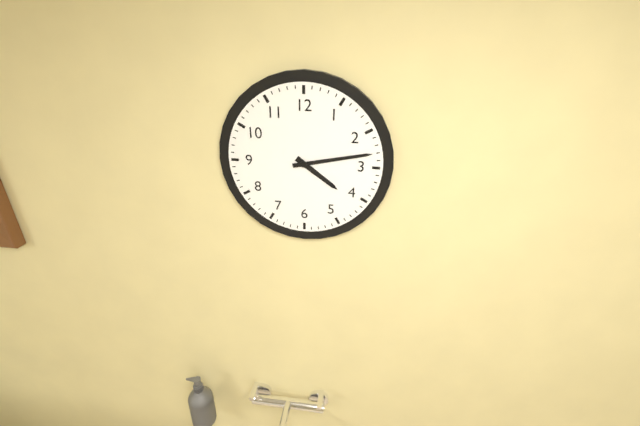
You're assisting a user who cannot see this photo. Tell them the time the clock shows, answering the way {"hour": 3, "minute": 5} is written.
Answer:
{"hour": 4, "minute": 13}
